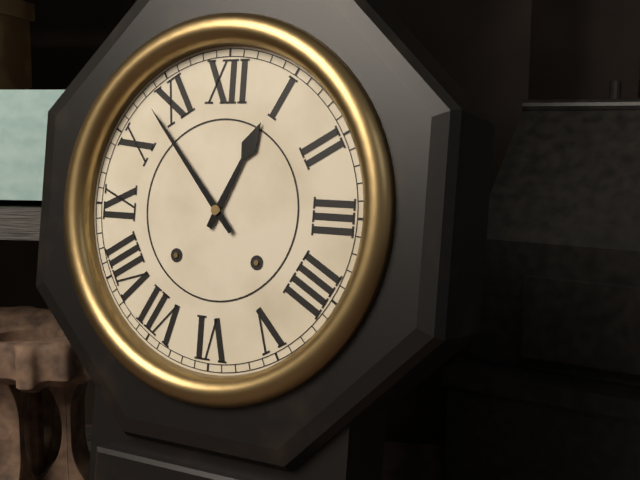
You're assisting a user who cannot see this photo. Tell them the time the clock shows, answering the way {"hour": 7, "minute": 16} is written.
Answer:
{"hour": 12, "minute": 53}
